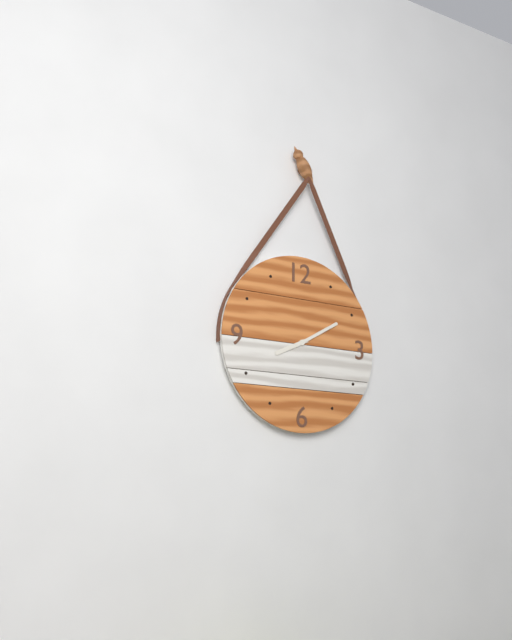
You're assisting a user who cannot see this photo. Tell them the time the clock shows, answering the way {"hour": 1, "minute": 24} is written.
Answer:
{"hour": 8, "minute": 10}
